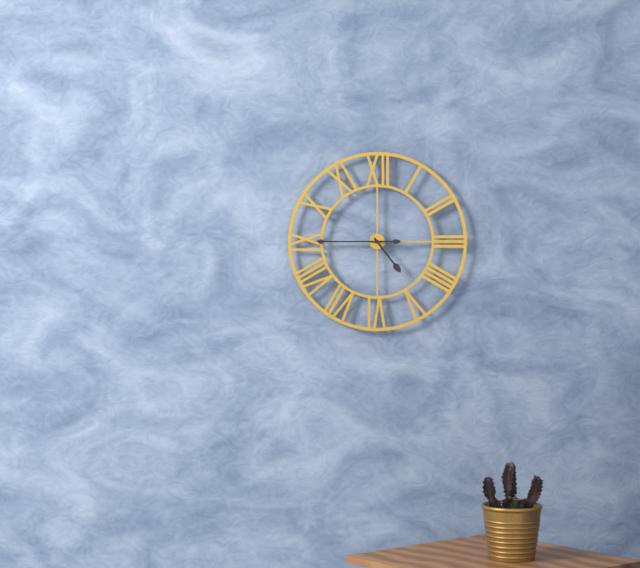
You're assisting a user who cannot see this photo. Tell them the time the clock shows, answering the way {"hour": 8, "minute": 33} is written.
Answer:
{"hour": 4, "minute": 45}
